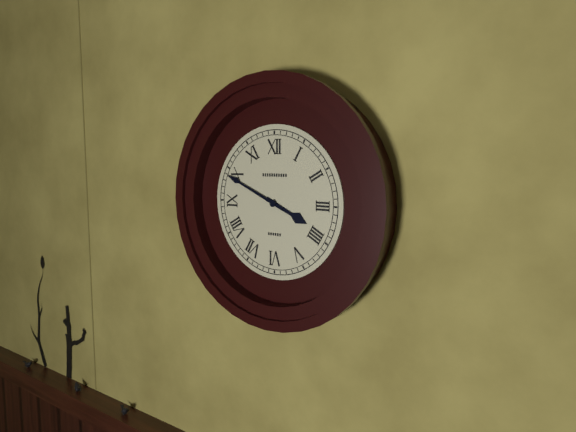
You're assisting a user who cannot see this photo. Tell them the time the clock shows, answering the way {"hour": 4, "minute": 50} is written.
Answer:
{"hour": 3, "minute": 49}
